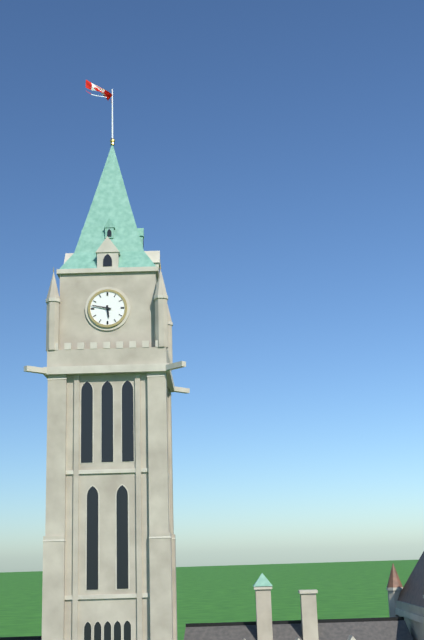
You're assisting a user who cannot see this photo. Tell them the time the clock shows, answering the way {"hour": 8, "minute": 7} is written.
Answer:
{"hour": 5, "minute": 47}
